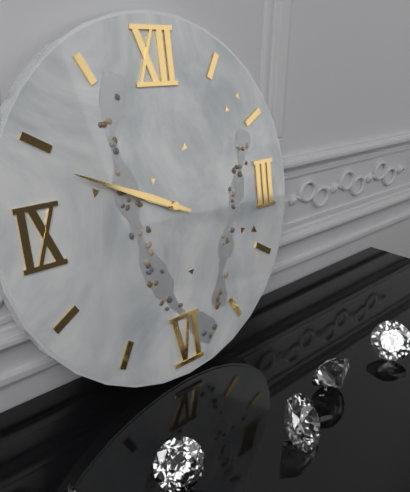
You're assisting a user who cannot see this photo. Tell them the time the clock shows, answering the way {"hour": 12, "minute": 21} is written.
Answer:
{"hour": 9, "minute": 49}
